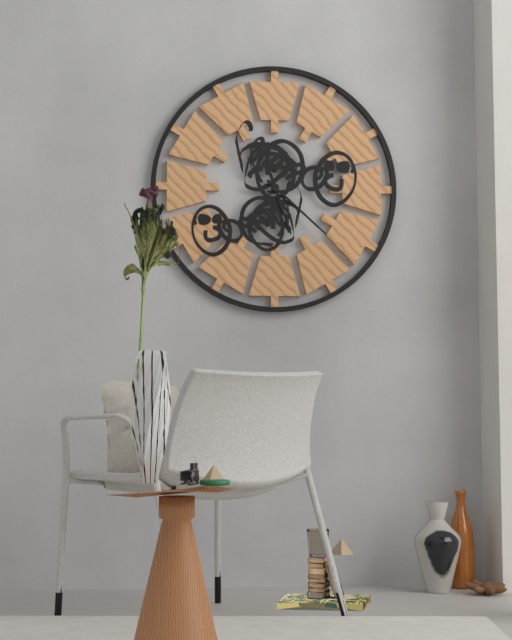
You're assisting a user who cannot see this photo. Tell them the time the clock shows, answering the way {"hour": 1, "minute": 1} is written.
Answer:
{"hour": 5, "minute": 22}
